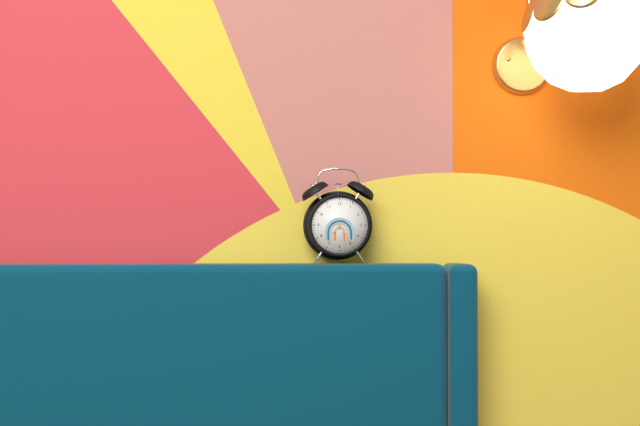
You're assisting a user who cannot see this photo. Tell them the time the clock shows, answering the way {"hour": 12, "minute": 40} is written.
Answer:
{"hour": 7, "minute": 24}
